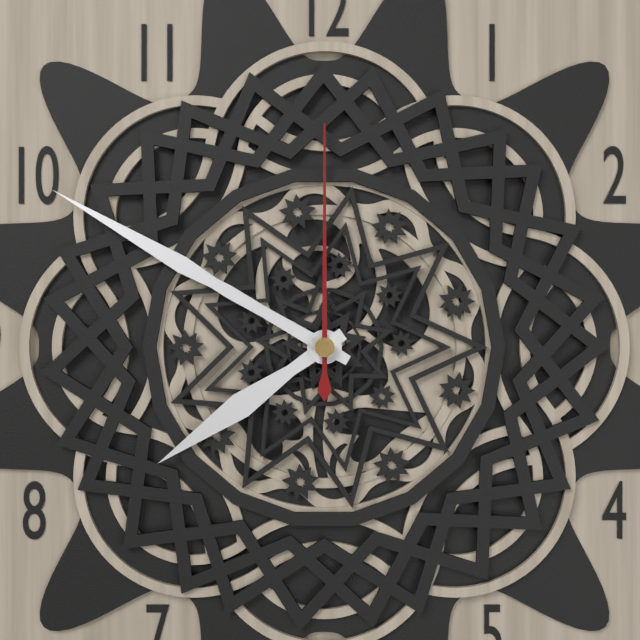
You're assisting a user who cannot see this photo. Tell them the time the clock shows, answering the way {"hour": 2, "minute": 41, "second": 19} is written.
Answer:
{"hour": 7, "minute": 50, "second": 0}
